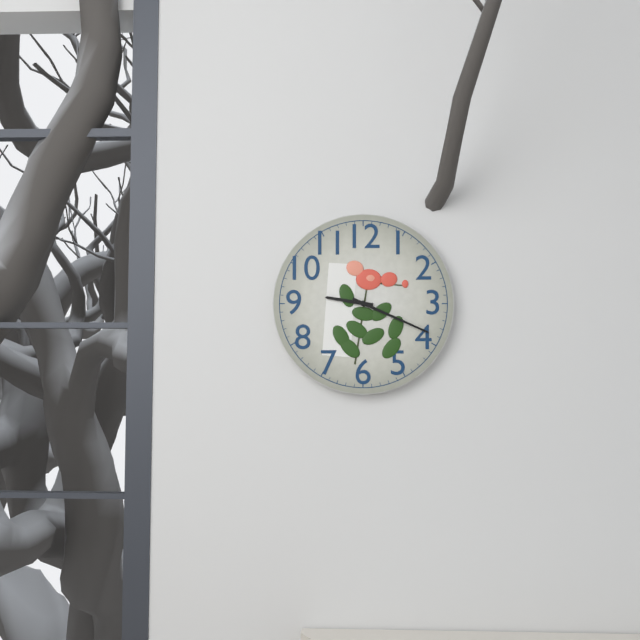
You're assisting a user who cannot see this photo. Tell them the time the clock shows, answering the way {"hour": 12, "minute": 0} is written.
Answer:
{"hour": 9, "minute": 19}
